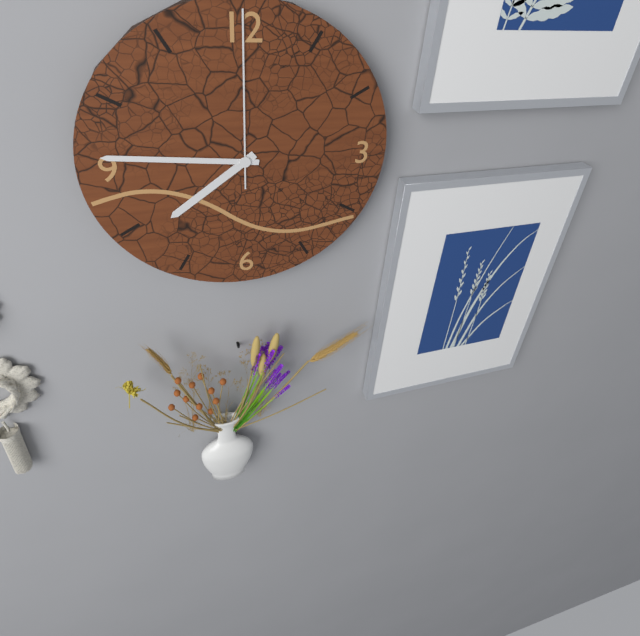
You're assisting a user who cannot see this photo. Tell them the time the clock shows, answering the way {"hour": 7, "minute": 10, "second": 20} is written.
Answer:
{"hour": 7, "minute": 46, "second": 0}
